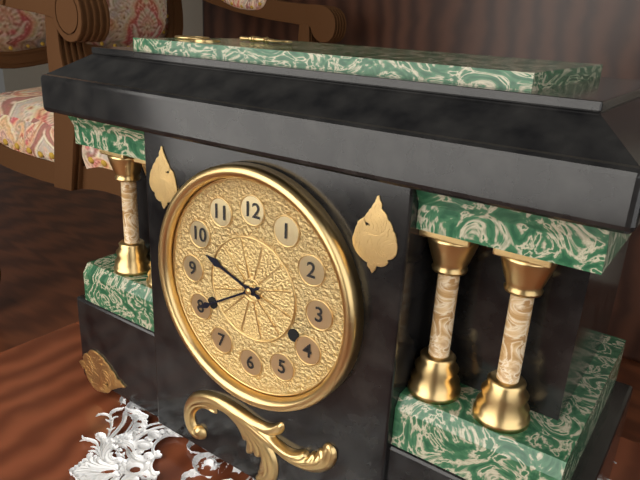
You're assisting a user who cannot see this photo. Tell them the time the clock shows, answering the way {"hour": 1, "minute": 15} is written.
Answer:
{"hour": 9, "minute": 40}
